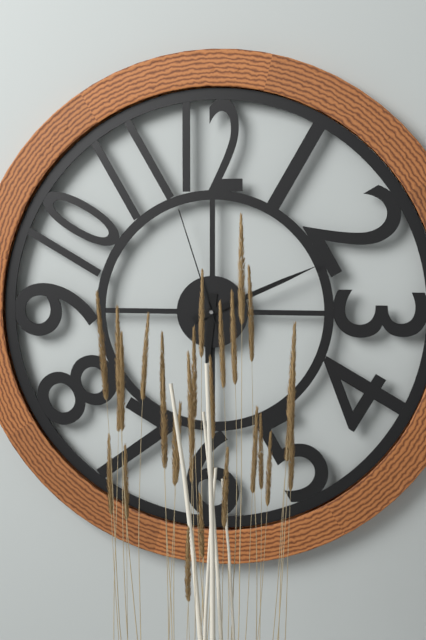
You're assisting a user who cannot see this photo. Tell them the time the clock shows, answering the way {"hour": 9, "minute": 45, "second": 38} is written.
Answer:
{"hour": 6, "minute": 11, "second": 57}
